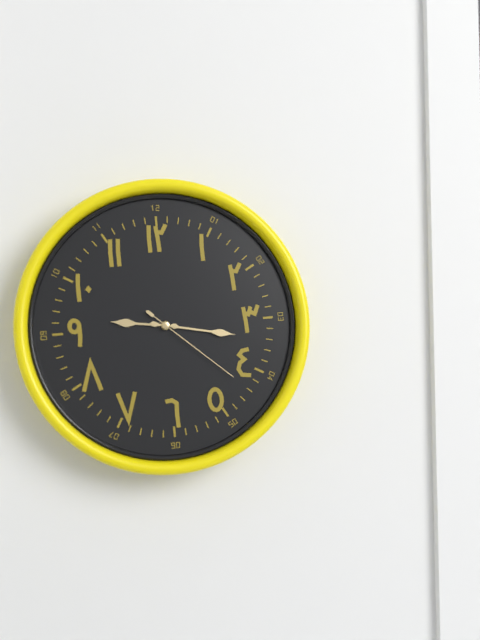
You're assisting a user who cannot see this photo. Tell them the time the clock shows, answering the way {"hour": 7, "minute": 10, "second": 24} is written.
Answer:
{"hour": 9, "minute": 17, "second": 22}
